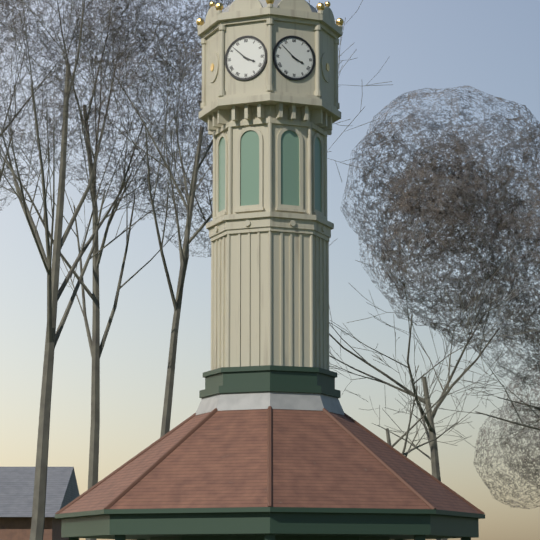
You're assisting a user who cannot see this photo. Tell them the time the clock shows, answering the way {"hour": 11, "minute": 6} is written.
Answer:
{"hour": 3, "minute": 52}
